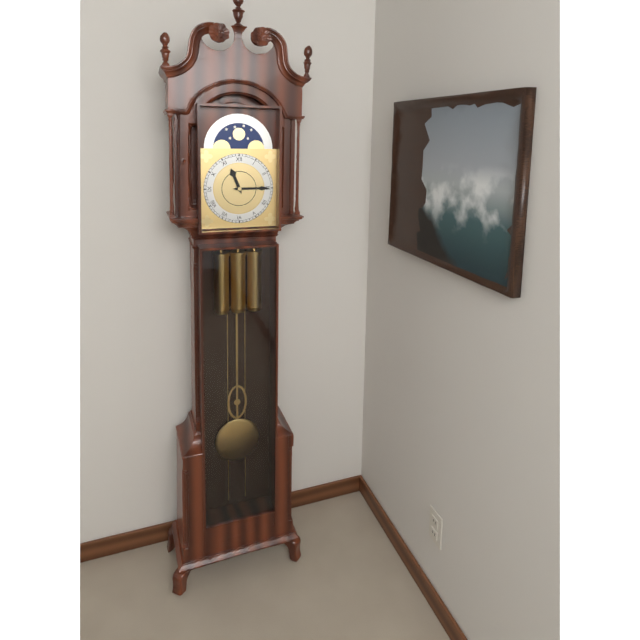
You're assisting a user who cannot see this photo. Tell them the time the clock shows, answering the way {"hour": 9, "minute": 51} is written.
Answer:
{"hour": 11, "minute": 15}
